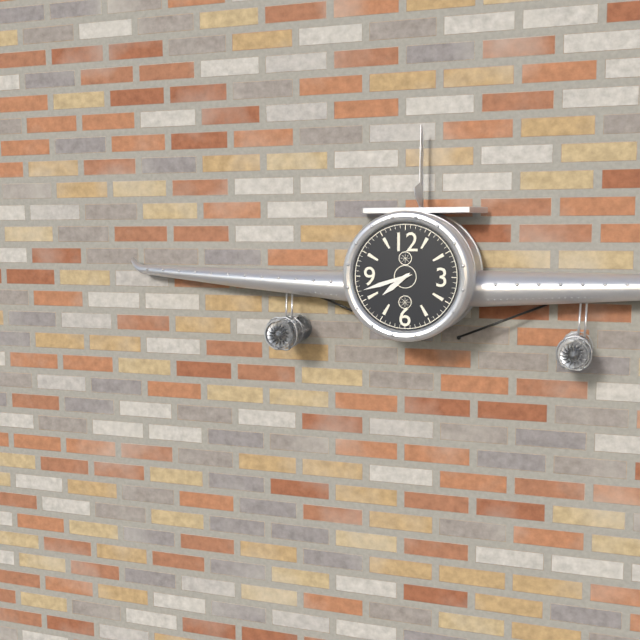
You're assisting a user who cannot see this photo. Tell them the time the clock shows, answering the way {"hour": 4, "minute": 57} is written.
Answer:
{"hour": 7, "minute": 42}
